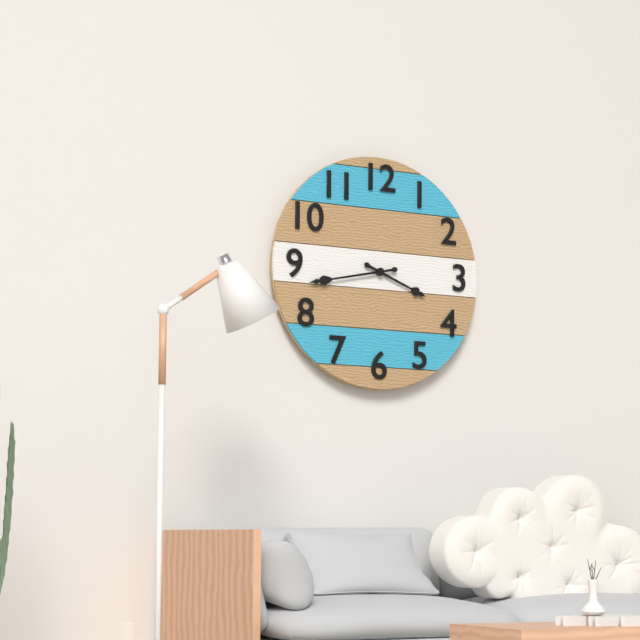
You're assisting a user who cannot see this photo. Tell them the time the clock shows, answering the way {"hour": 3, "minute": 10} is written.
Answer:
{"hour": 3, "minute": 43}
